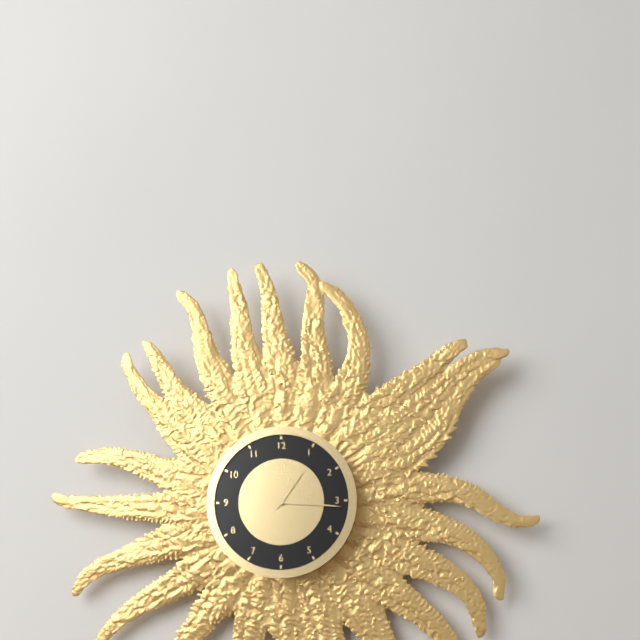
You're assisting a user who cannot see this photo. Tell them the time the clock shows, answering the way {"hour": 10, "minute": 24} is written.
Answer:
{"hour": 1, "minute": 16}
